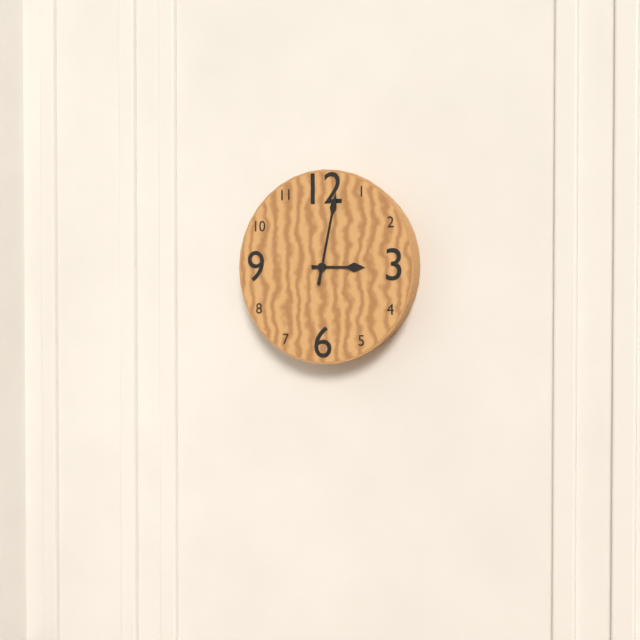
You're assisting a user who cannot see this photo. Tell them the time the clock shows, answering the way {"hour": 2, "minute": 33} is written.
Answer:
{"hour": 3, "minute": 2}
